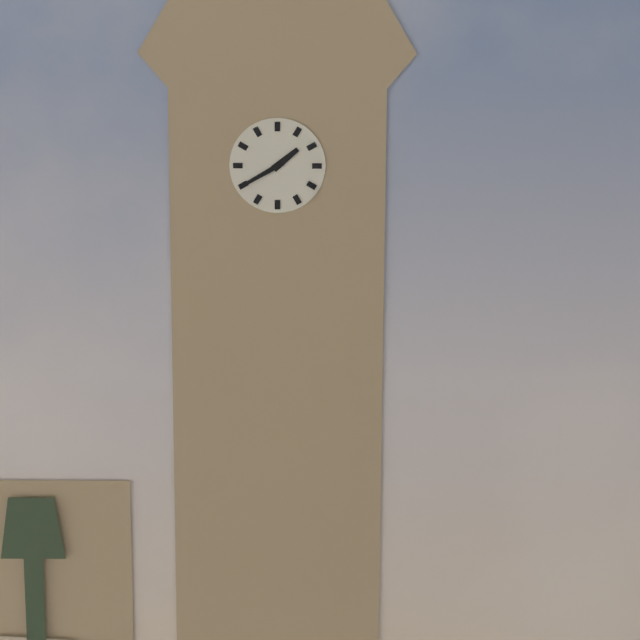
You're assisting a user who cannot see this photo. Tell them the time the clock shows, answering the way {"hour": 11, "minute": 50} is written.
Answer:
{"hour": 1, "minute": 40}
